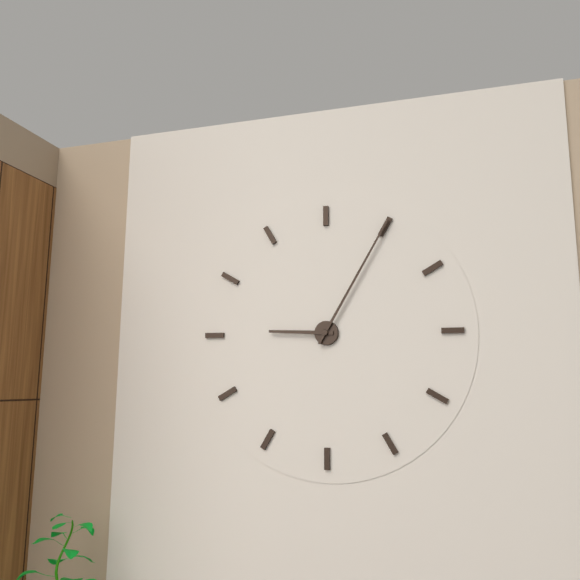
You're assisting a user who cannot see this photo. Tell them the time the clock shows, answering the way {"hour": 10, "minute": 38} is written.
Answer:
{"hour": 9, "minute": 5}
